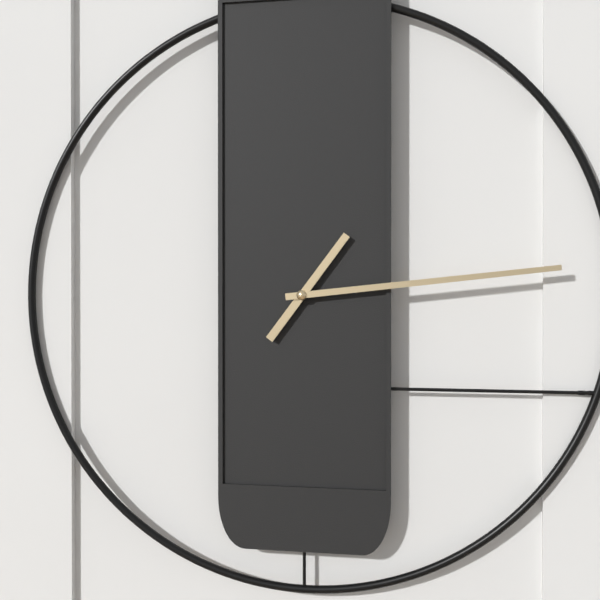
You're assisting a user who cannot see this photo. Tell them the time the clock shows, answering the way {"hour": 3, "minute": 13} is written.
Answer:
{"hour": 1, "minute": 14}
